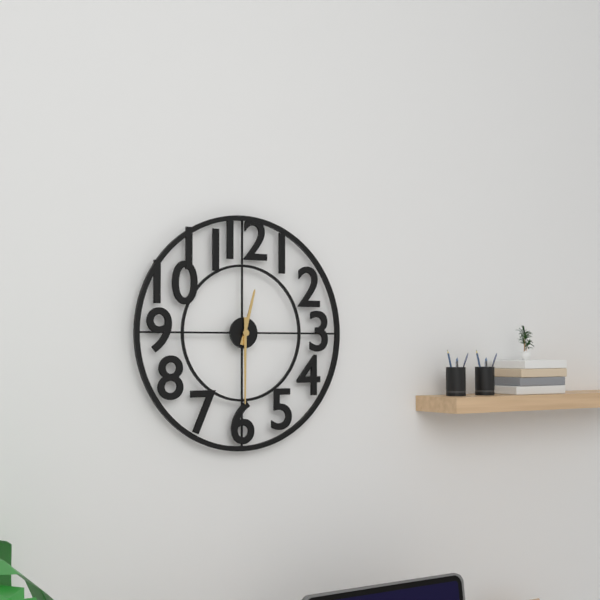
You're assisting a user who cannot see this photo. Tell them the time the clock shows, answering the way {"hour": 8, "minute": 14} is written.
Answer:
{"hour": 12, "minute": 30}
